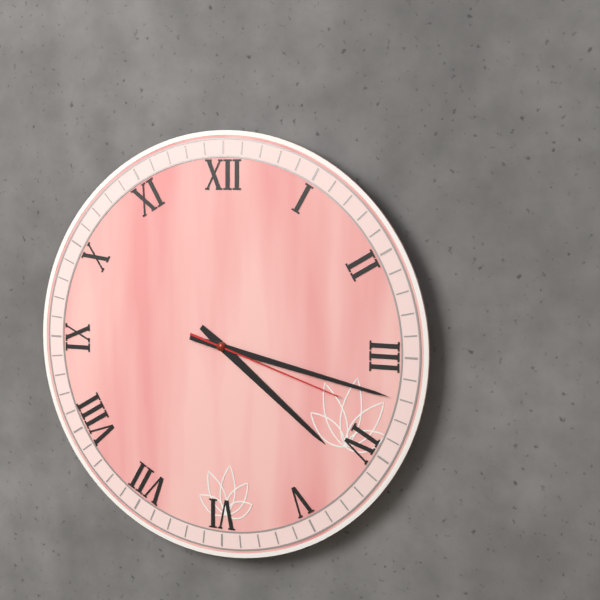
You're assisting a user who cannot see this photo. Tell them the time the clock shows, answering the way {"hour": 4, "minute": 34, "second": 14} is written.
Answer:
{"hour": 4, "minute": 17, "second": 18}
